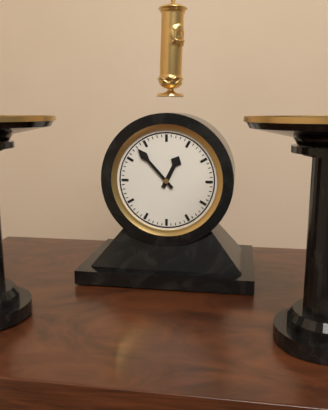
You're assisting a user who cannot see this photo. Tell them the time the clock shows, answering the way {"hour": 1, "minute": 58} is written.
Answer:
{"hour": 12, "minute": 53}
